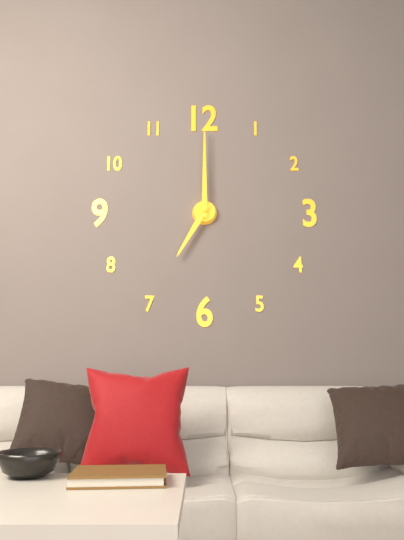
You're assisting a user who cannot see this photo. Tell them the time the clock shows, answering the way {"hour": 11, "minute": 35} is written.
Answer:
{"hour": 7, "minute": 0}
